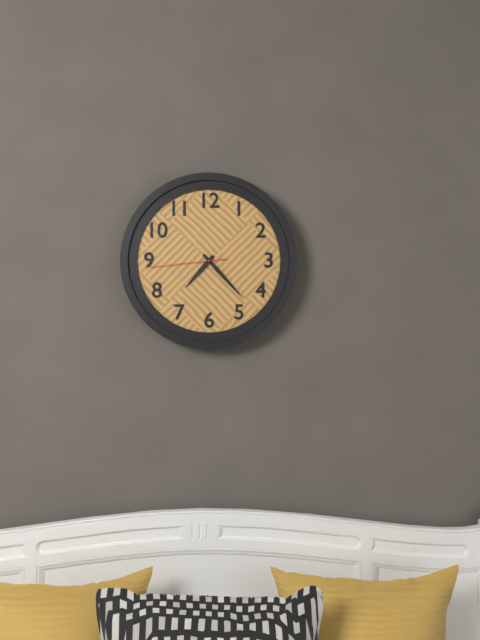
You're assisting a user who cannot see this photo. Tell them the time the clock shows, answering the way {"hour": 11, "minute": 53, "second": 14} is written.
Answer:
{"hour": 7, "minute": 23, "second": 44}
